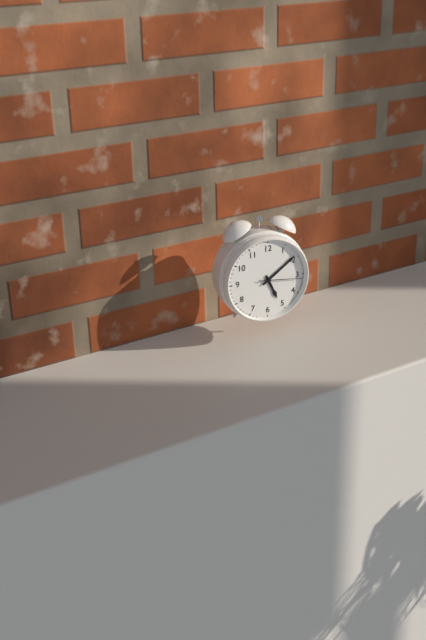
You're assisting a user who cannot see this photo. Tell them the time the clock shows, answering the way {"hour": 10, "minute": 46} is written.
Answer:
{"hour": 5, "minute": 9}
